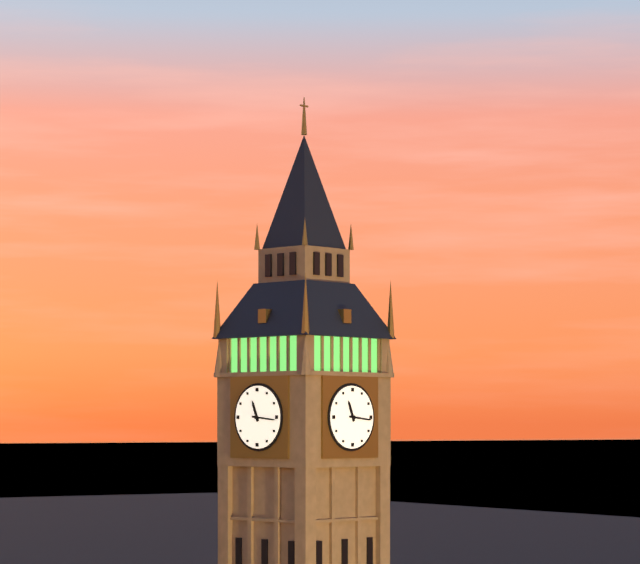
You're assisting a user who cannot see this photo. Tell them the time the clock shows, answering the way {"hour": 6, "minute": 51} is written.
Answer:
{"hour": 11, "minute": 16}
